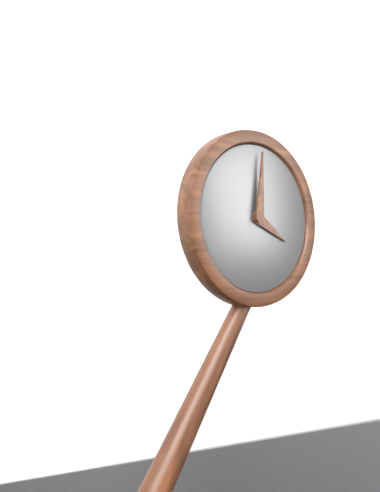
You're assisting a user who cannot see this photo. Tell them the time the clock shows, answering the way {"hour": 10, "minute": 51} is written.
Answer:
{"hour": 4, "minute": 1}
